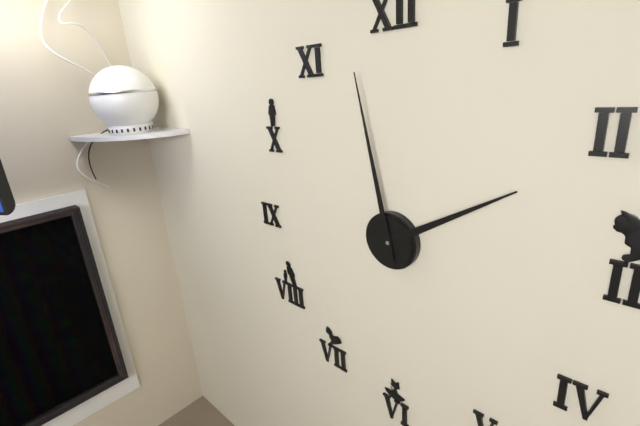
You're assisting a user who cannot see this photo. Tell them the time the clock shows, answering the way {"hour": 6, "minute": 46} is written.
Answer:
{"hour": 1, "minute": 58}
